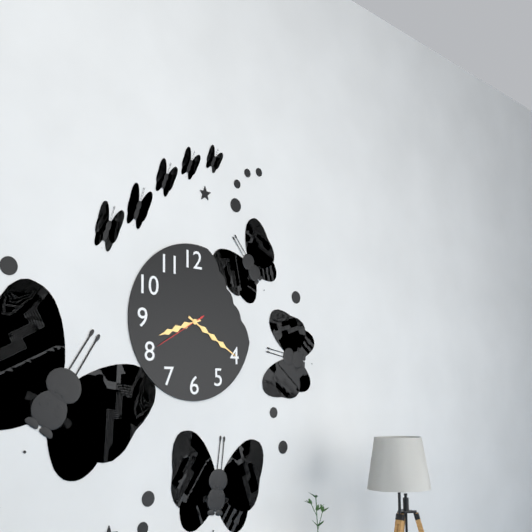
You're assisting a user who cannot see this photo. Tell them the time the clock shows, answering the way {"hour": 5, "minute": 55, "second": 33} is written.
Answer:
{"hour": 8, "minute": 20, "second": 40}
